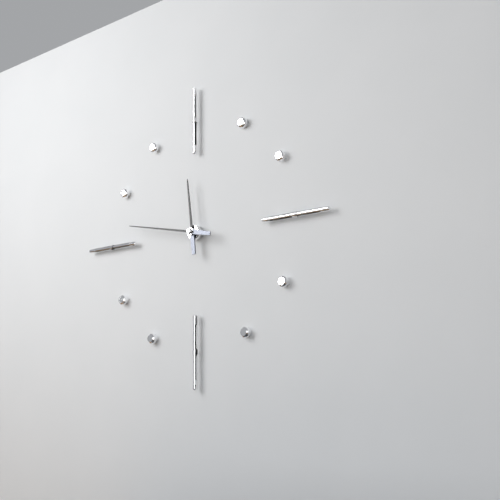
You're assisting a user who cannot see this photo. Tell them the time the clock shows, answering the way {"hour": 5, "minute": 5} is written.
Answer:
{"hour": 11, "minute": 47}
